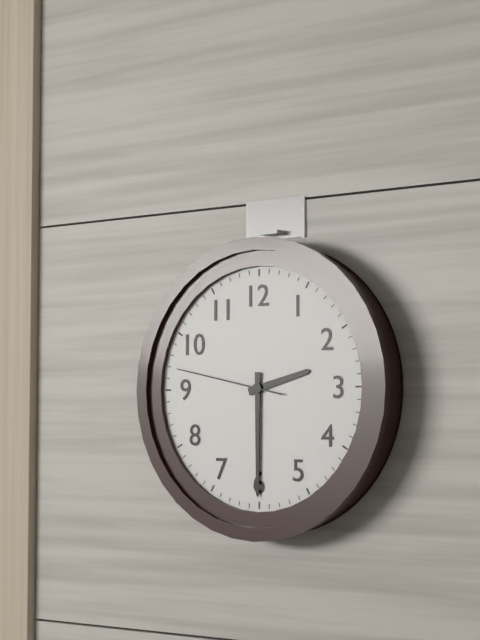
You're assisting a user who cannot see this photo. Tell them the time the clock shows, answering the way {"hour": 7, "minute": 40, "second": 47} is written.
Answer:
{"hour": 2, "minute": 30, "second": 47}
